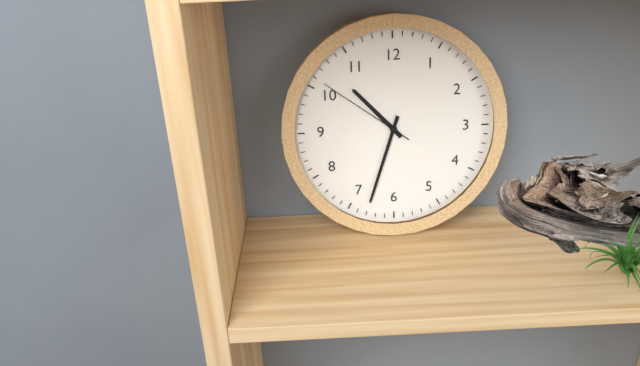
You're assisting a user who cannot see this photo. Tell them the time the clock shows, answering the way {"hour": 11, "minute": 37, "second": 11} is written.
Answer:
{"hour": 10, "minute": 33, "second": 51}
